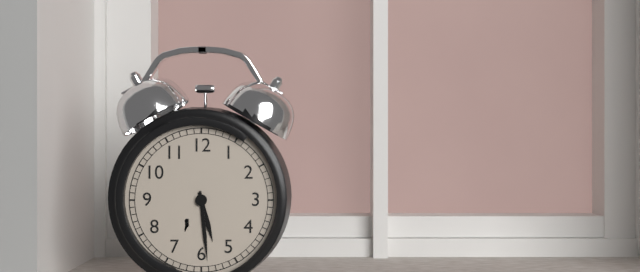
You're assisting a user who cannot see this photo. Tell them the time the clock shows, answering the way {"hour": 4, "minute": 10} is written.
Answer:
{"hour": 5, "minute": 29}
